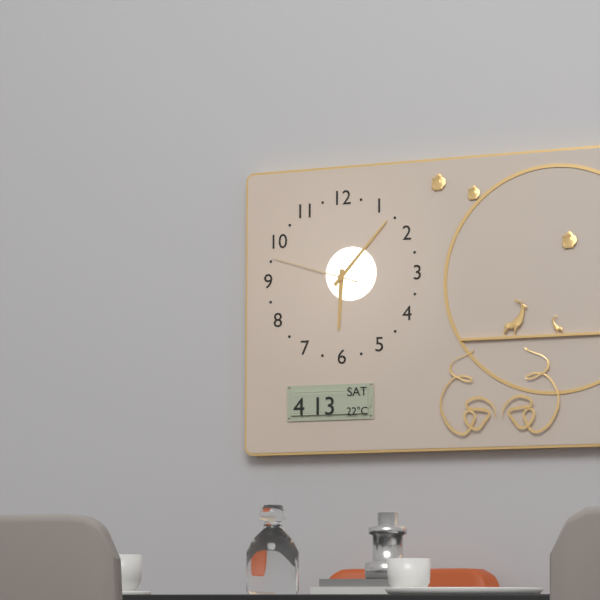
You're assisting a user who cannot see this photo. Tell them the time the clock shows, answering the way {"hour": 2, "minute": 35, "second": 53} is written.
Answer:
{"hour": 6, "minute": 7, "second": 48}
